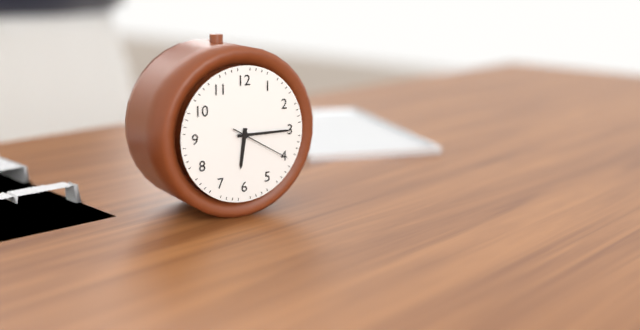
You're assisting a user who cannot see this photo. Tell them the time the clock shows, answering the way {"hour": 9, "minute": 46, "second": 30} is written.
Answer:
{"hour": 6, "minute": 15, "second": 20}
